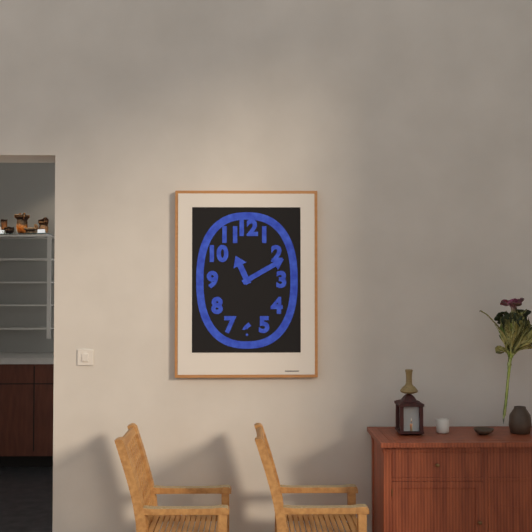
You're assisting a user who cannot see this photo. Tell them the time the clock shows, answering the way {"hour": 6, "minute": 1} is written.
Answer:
{"hour": 11, "minute": 10}
